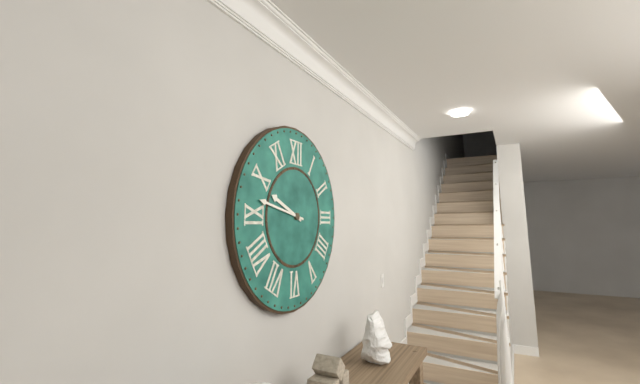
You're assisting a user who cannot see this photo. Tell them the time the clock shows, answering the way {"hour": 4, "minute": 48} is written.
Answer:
{"hour": 9, "minute": 47}
